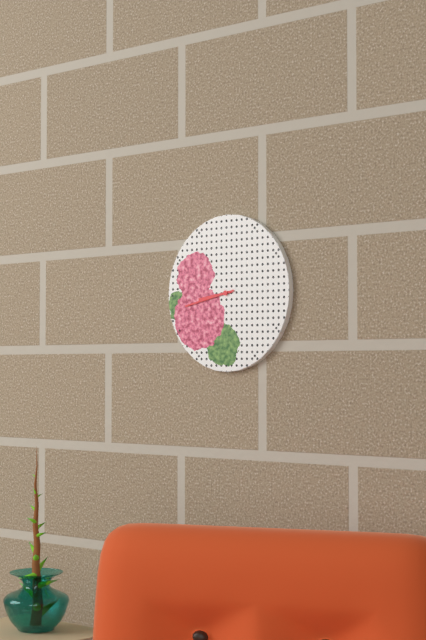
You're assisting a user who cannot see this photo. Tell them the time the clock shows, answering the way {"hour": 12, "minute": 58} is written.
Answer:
{"hour": 8, "minute": 43}
